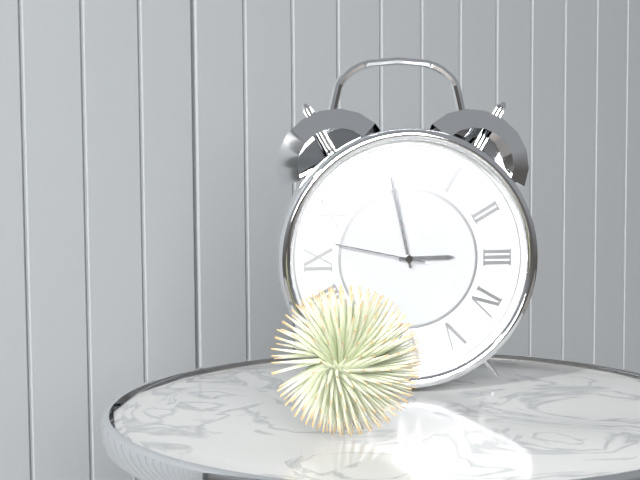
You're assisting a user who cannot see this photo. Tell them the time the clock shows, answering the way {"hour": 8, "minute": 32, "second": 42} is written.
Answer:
{"hour": 2, "minute": 58, "second": 47}
